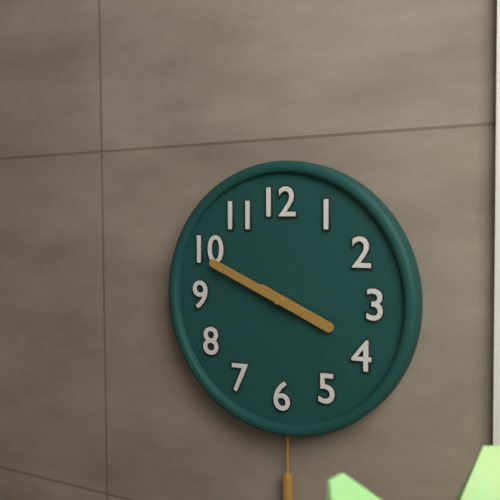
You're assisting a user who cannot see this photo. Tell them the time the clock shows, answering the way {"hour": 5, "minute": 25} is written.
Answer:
{"hour": 3, "minute": 49}
